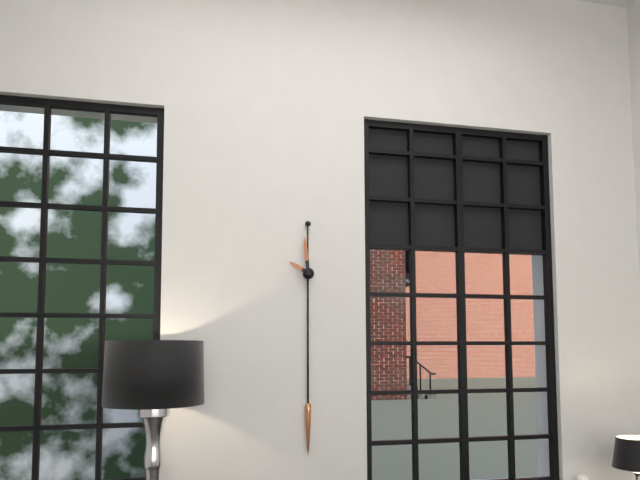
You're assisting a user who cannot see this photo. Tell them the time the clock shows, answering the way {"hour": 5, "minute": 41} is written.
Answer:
{"hour": 9, "minute": 59}
